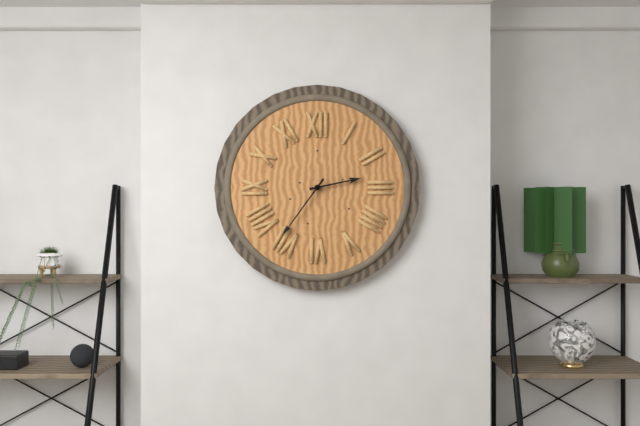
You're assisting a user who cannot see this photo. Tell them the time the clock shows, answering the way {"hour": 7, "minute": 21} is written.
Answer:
{"hour": 2, "minute": 36}
